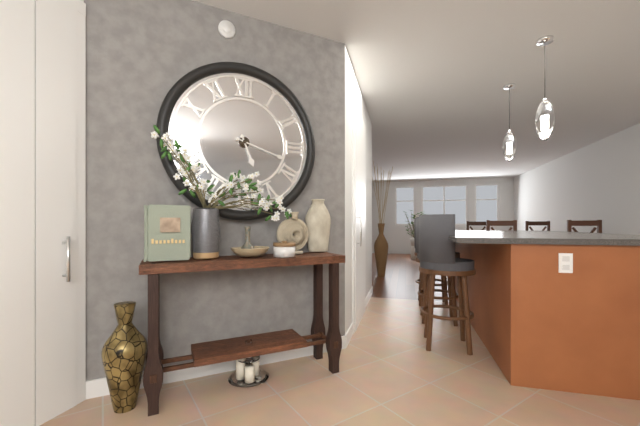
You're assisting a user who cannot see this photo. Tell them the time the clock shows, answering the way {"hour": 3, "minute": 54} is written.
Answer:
{"hour": 5, "minute": 18}
